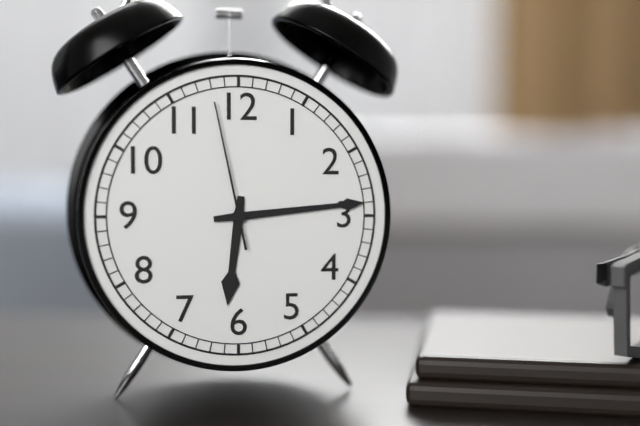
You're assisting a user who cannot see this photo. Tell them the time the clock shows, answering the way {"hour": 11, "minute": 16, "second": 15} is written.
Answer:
{"hour": 6, "minute": 14, "second": 58}
